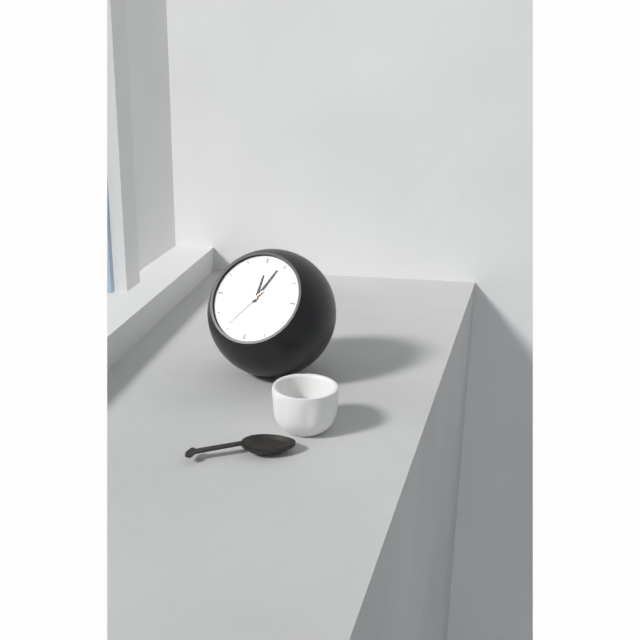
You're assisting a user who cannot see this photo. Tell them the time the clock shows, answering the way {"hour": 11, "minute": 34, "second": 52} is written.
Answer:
{"hour": 12, "minute": 4, "second": 36}
